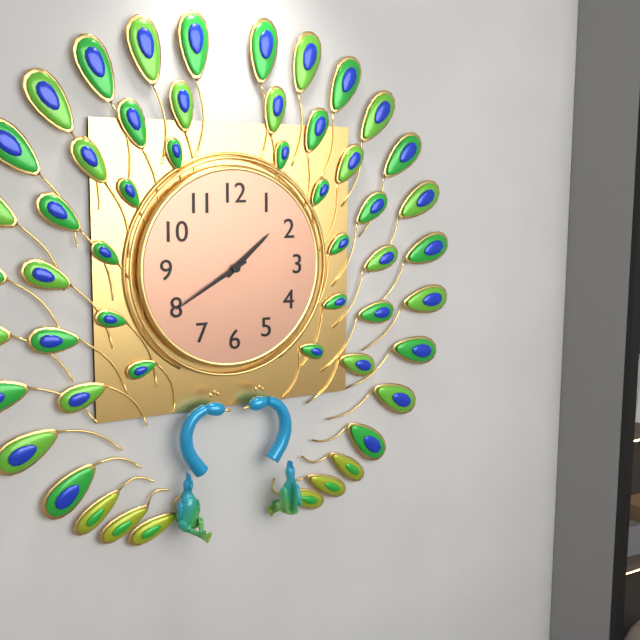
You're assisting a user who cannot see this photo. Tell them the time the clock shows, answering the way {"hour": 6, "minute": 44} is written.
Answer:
{"hour": 1, "minute": 40}
